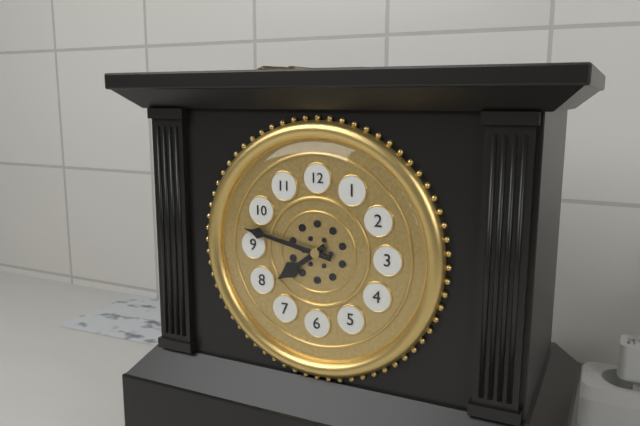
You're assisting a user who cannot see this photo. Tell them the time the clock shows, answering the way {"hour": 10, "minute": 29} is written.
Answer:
{"hour": 7, "minute": 47}
